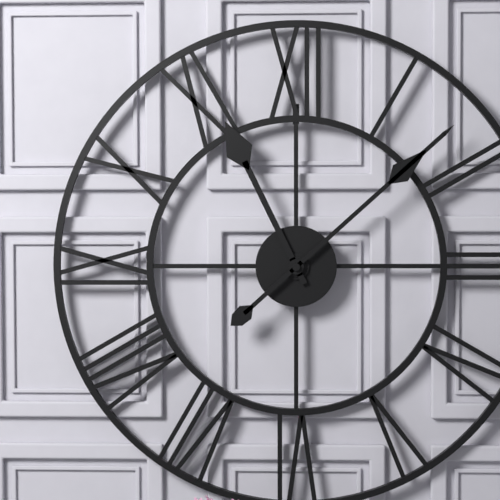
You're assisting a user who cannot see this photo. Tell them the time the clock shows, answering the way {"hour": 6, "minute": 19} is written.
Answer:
{"hour": 11, "minute": 8}
